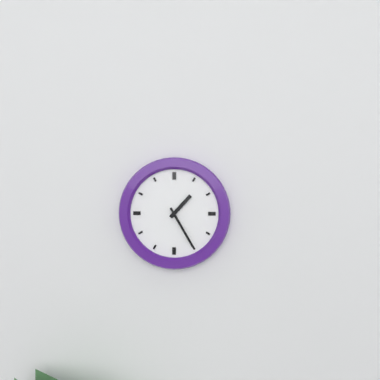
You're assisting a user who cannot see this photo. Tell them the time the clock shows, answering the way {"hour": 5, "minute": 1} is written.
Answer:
{"hour": 1, "minute": 25}
